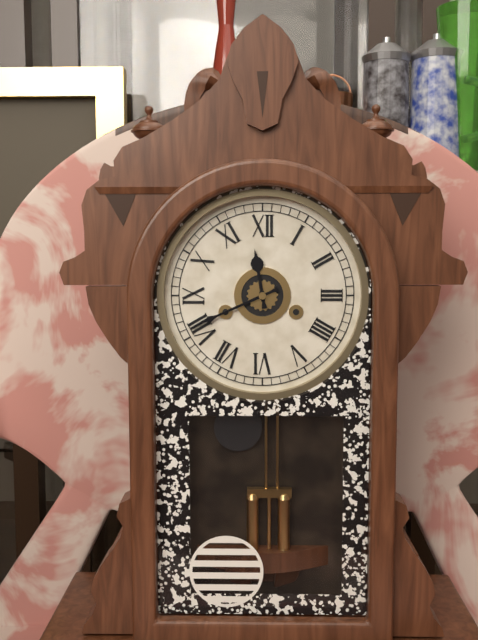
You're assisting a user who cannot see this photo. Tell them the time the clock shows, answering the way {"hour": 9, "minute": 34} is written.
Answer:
{"hour": 11, "minute": 41}
